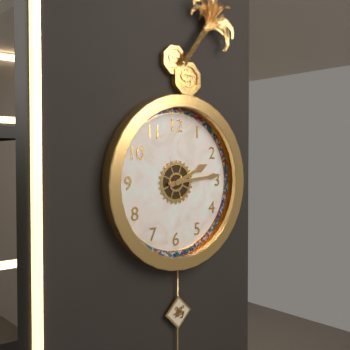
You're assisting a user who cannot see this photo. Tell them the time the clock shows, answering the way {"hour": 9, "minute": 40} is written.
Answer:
{"hour": 2, "minute": 14}
